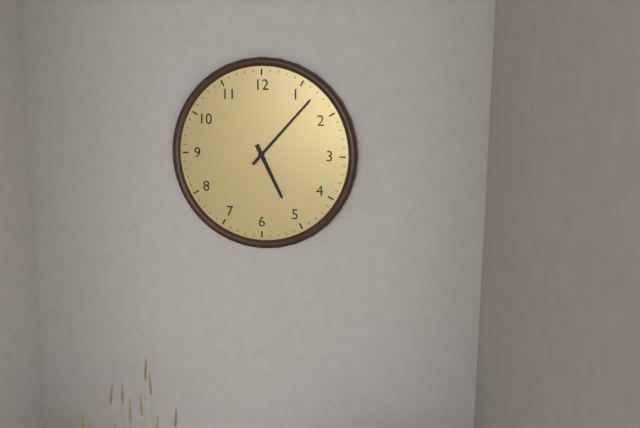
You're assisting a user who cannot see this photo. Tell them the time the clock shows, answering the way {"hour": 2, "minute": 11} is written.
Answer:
{"hour": 5, "minute": 7}
